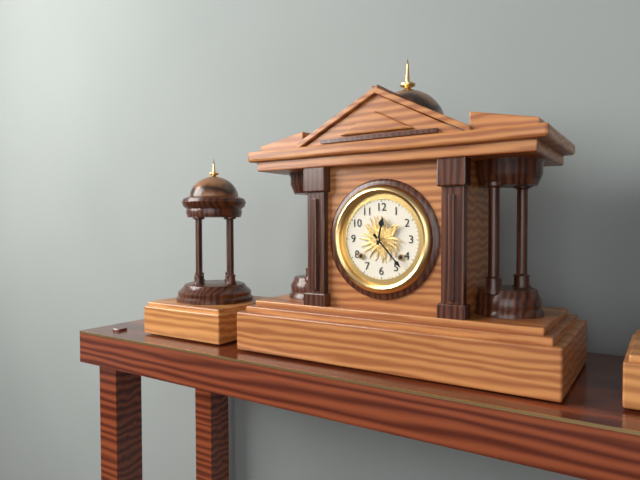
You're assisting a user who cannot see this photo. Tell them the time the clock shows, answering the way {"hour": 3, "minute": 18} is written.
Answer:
{"hour": 12, "minute": 23}
